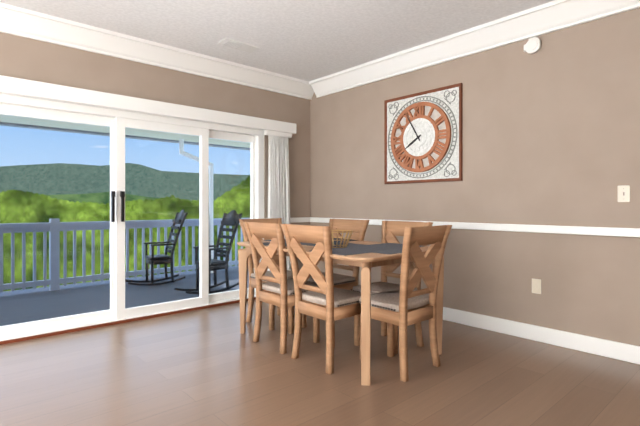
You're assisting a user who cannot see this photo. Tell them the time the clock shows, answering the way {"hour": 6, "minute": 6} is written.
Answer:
{"hour": 7, "minute": 55}
